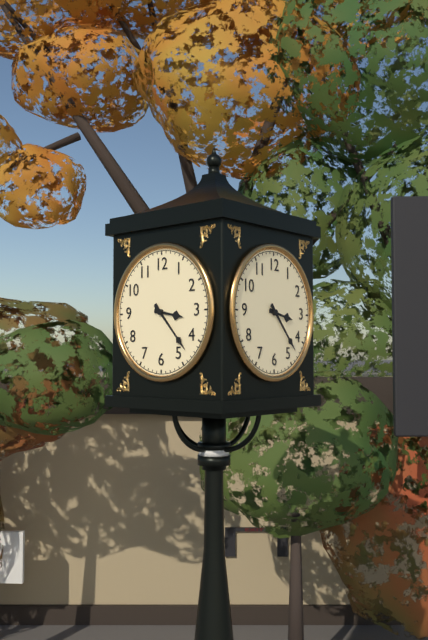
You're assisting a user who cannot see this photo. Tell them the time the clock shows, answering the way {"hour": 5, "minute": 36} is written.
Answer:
{"hour": 3, "minute": 23}
